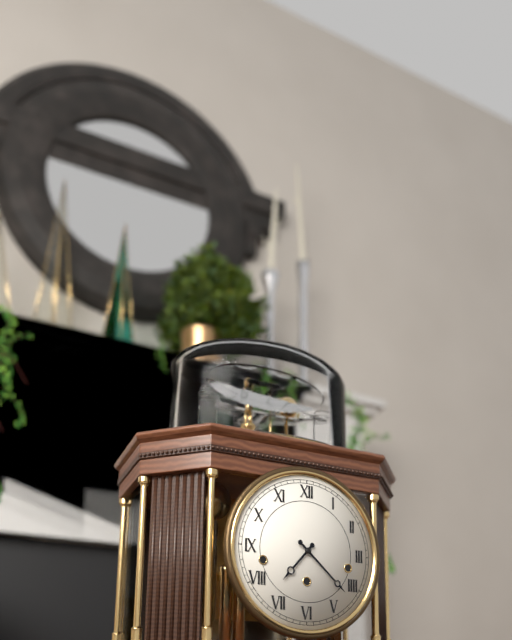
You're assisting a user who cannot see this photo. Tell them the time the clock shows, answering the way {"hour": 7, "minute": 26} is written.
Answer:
{"hour": 7, "minute": 22}
